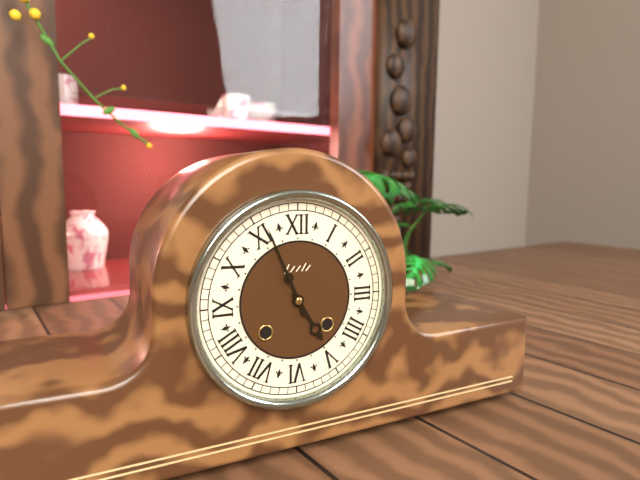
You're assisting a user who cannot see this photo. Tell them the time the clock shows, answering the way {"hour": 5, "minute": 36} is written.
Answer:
{"hour": 4, "minute": 56}
